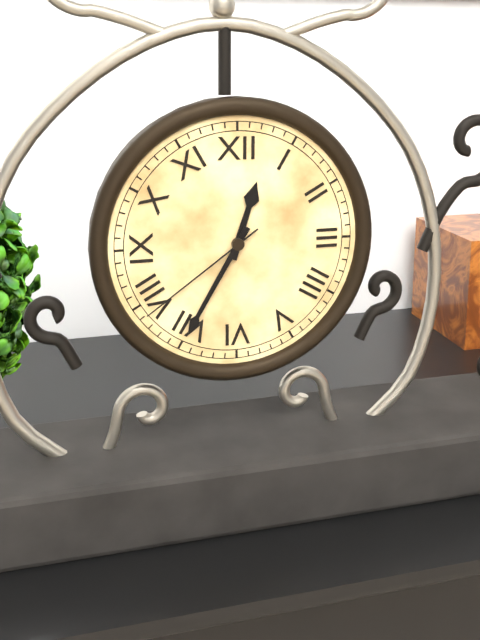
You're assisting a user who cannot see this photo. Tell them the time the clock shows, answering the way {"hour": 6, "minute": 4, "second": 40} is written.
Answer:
{"hour": 12, "minute": 35, "second": 39}
